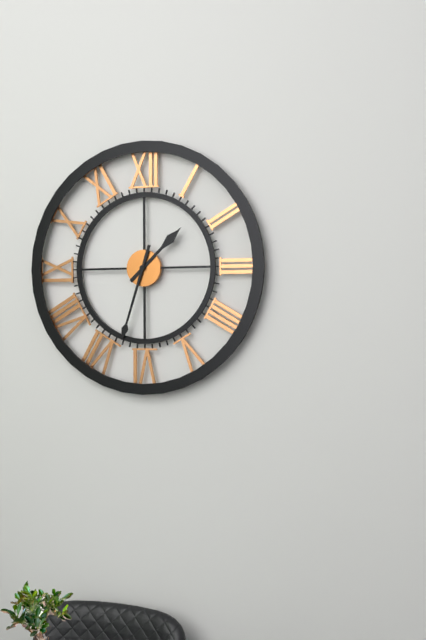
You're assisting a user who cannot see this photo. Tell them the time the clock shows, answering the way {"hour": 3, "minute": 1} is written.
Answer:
{"hour": 1, "minute": 33}
